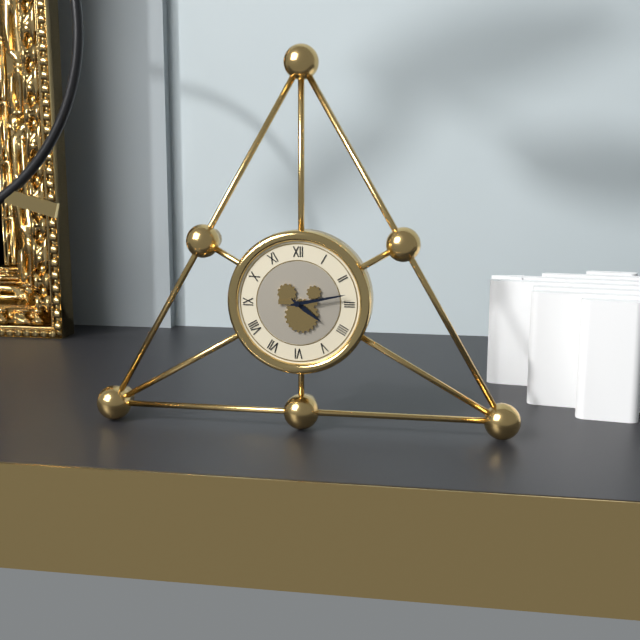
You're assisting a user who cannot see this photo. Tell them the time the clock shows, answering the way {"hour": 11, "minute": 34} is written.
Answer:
{"hour": 4, "minute": 13}
